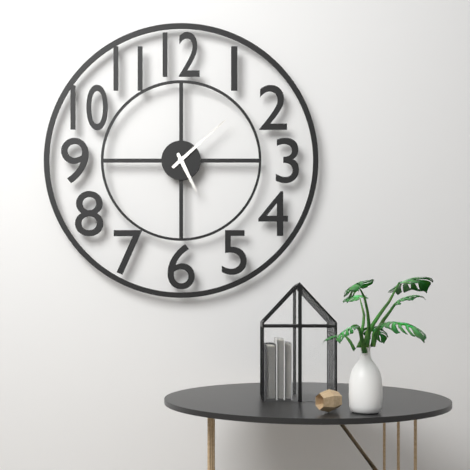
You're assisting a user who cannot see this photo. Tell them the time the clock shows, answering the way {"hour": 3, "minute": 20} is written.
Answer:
{"hour": 5, "minute": 8}
